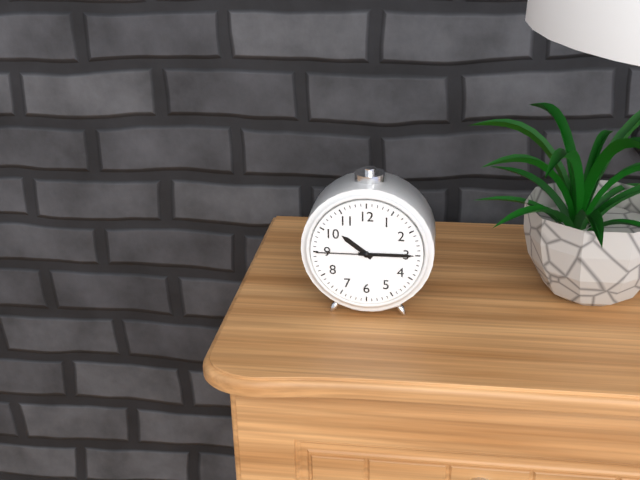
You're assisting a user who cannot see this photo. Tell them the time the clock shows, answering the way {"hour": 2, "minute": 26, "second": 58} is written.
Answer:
{"hour": 10, "minute": 15, "second": 45}
